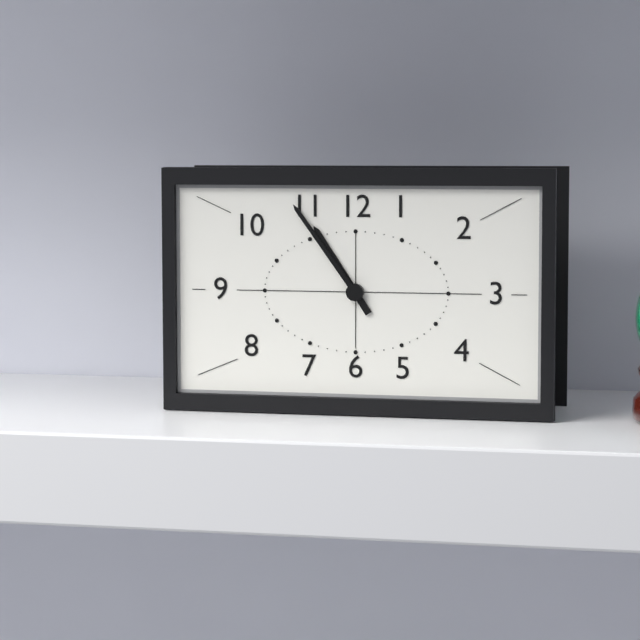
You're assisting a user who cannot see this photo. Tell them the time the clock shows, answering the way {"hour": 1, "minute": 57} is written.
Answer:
{"hour": 10, "minute": 54}
